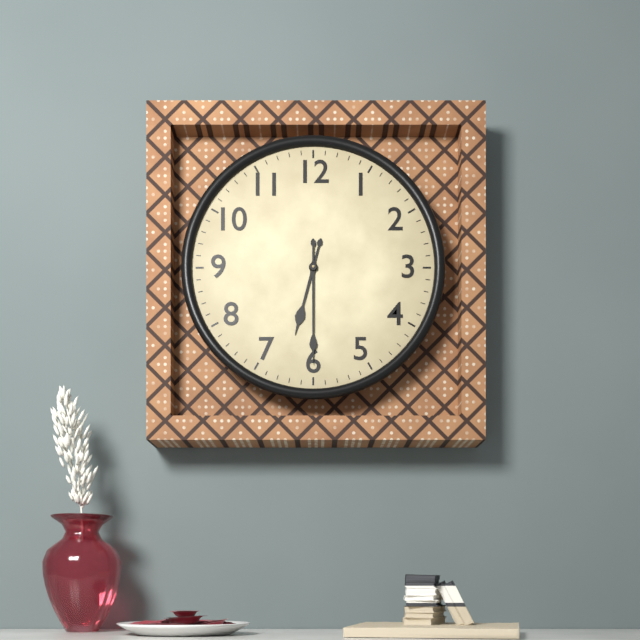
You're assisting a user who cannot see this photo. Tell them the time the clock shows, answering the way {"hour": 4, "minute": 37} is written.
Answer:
{"hour": 6, "minute": 30}
